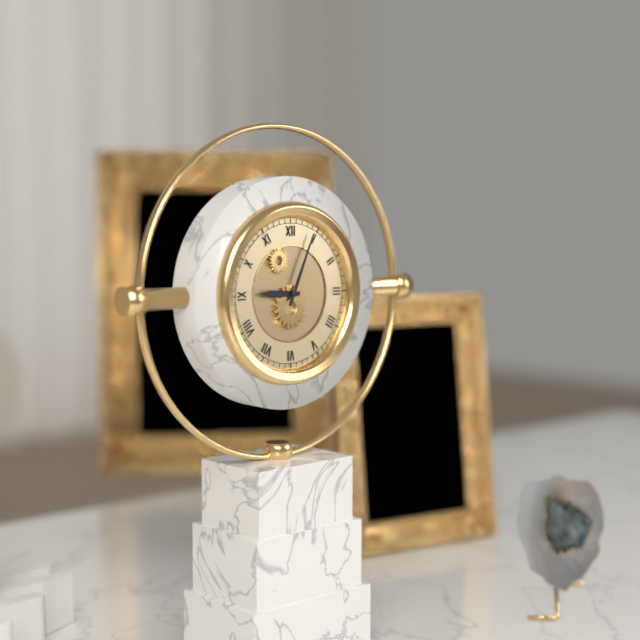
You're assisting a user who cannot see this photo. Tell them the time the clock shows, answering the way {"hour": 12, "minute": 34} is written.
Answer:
{"hour": 9, "minute": 4}
